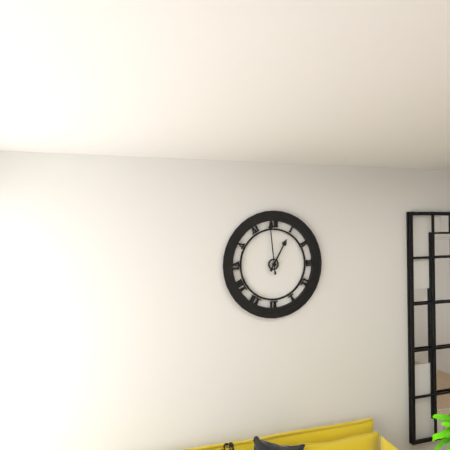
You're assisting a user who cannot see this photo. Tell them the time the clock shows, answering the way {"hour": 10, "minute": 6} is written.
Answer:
{"hour": 12, "minute": 59}
